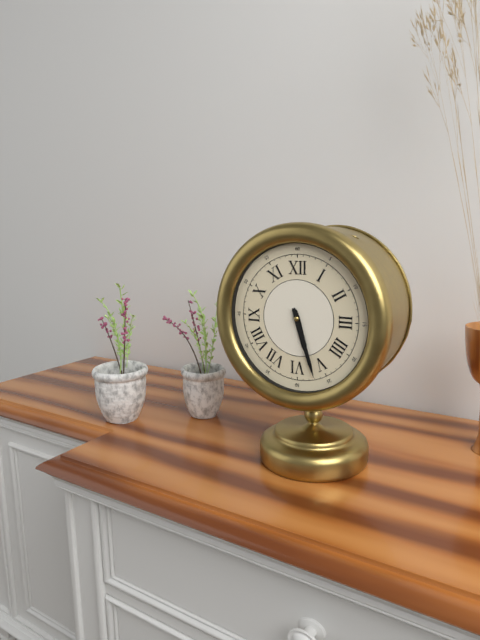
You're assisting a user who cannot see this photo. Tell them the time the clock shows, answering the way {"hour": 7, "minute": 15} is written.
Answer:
{"hour": 5, "minute": 27}
